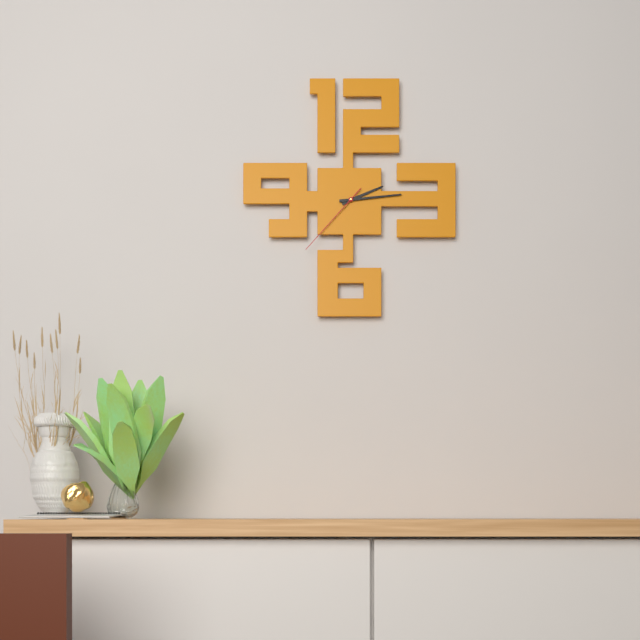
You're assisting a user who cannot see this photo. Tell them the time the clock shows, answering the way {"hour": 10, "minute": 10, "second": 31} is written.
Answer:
{"hour": 2, "minute": 14, "second": 37}
